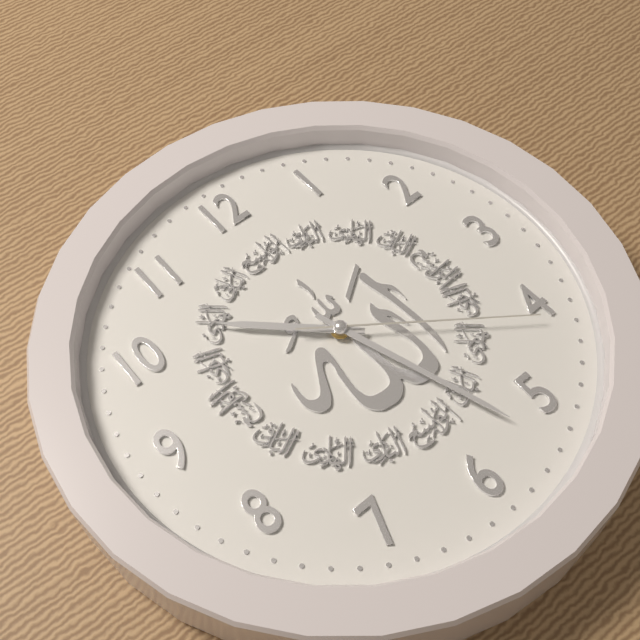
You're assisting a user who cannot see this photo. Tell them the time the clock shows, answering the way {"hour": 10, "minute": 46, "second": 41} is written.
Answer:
{"hour": 10, "minute": 27, "second": 21}
